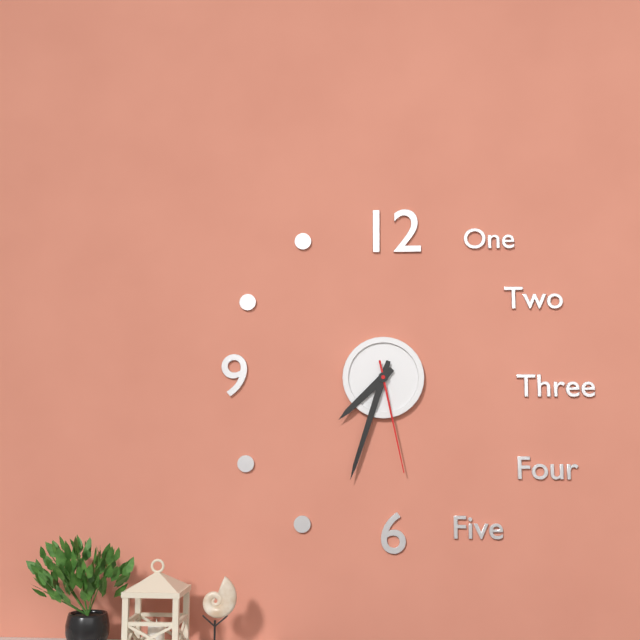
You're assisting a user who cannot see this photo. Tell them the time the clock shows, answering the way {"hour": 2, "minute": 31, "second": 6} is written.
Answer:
{"hour": 7, "minute": 33, "second": 28}
